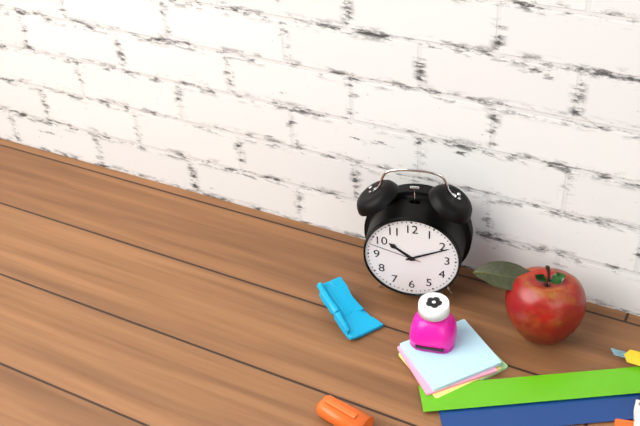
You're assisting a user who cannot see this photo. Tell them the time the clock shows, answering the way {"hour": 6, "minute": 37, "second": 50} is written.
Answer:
{"hour": 10, "minute": 11, "second": 48}
